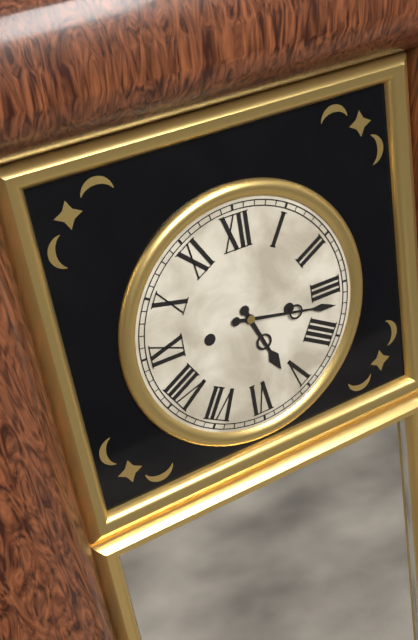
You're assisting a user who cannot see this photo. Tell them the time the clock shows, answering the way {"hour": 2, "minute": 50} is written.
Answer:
{"hour": 5, "minute": 17}
